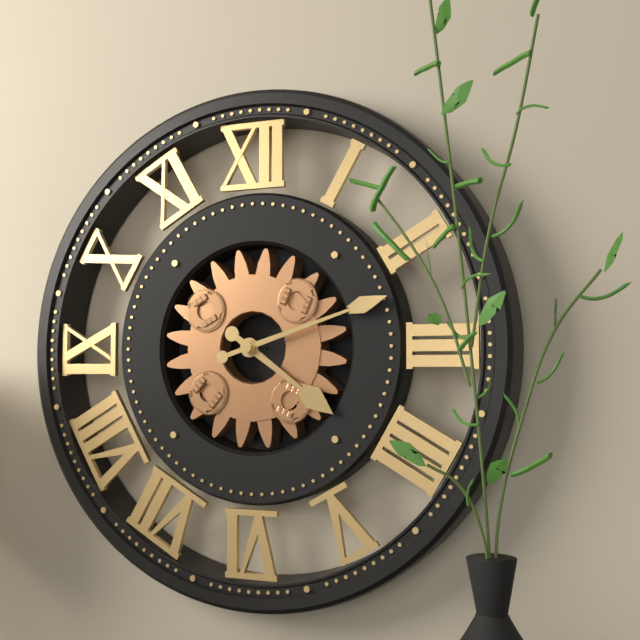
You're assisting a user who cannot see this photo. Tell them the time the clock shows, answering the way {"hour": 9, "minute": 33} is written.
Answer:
{"hour": 4, "minute": 12}
